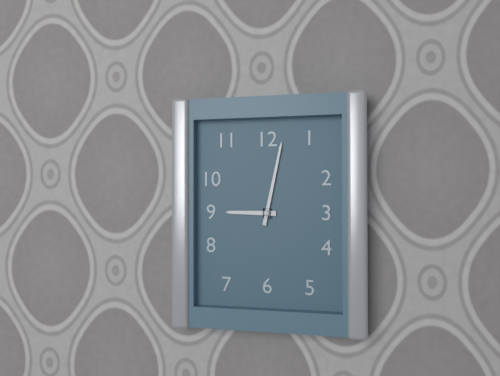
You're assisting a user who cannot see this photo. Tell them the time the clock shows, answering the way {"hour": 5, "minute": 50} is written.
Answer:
{"hour": 9, "minute": 2}
